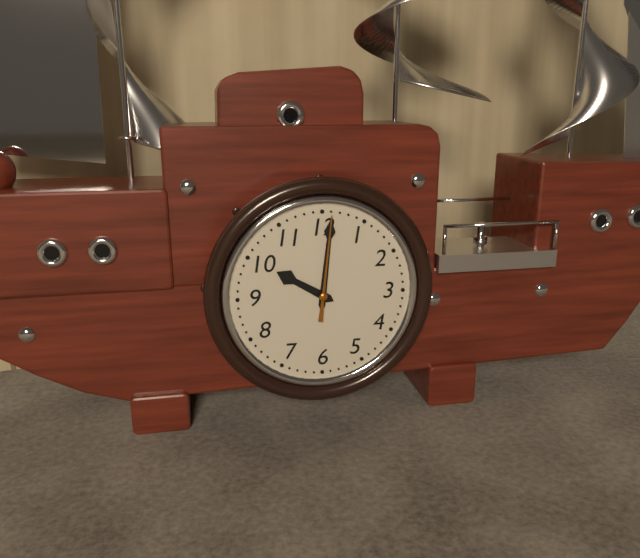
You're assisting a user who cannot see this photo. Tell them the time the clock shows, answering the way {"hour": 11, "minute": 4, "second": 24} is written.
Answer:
{"hour": 10, "minute": 1, "second": 1}
